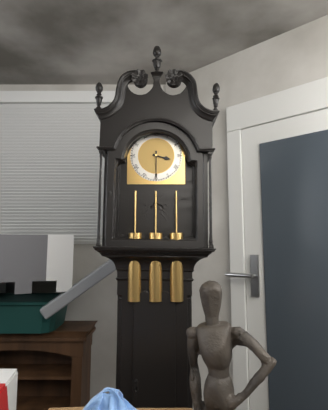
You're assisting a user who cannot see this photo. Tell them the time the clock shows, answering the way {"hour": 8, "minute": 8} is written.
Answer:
{"hour": 3, "minute": 30}
